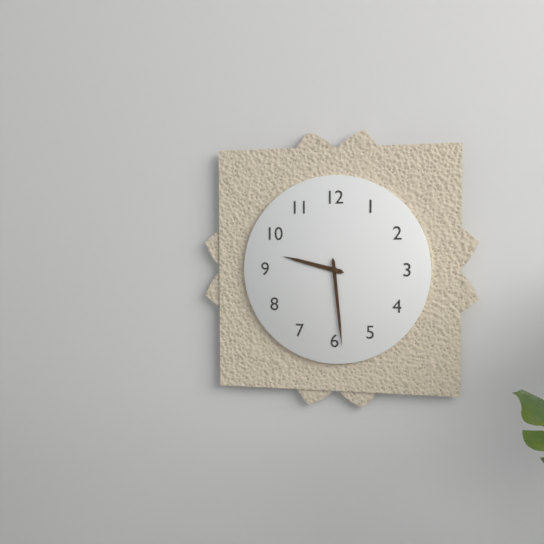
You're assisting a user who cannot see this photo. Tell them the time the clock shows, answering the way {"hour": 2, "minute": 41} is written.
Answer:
{"hour": 9, "minute": 29}
